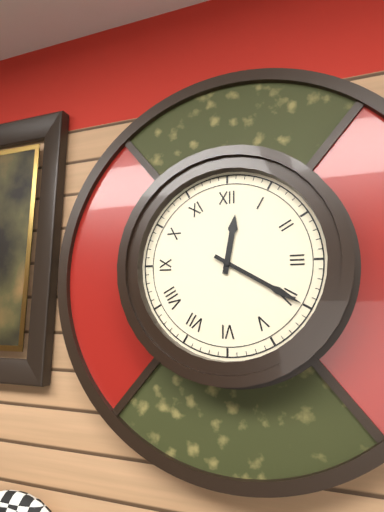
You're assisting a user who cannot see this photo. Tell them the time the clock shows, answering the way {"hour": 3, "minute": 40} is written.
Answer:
{"hour": 12, "minute": 20}
